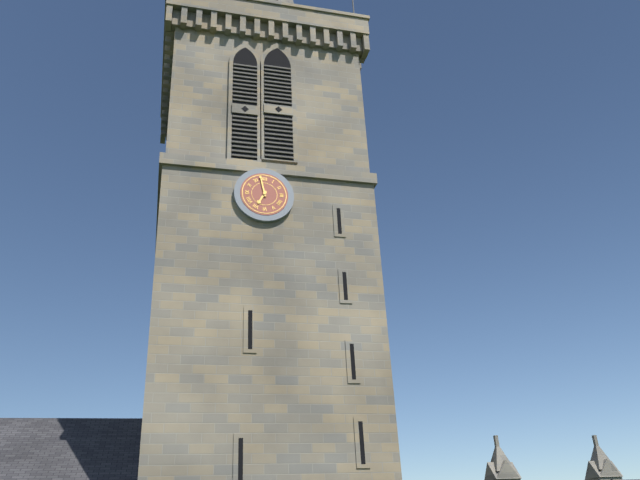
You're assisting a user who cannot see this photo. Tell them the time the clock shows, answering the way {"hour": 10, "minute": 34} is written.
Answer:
{"hour": 6, "minute": 58}
